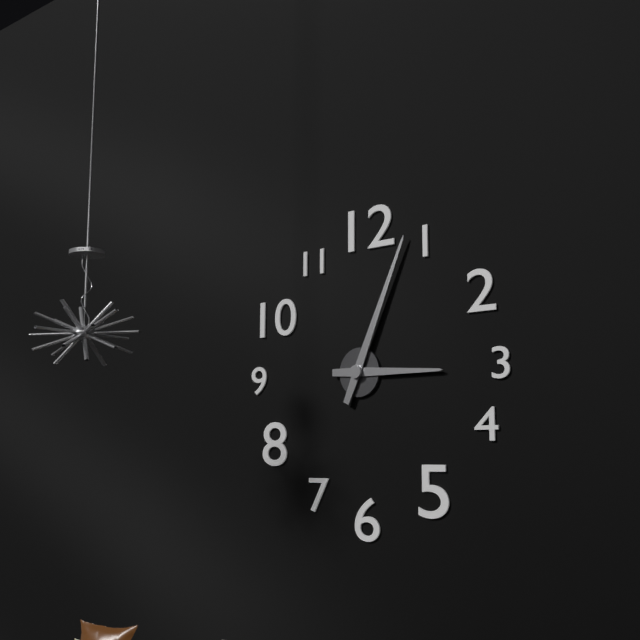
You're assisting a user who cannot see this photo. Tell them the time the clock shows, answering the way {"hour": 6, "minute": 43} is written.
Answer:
{"hour": 3, "minute": 4}
